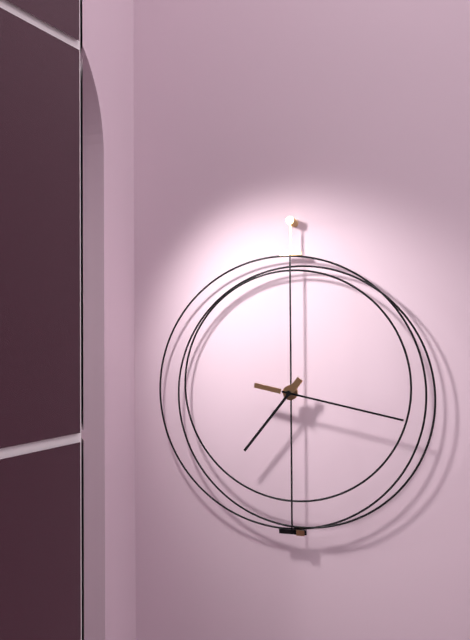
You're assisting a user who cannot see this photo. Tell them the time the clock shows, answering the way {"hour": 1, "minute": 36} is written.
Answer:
{"hour": 7, "minute": 17}
